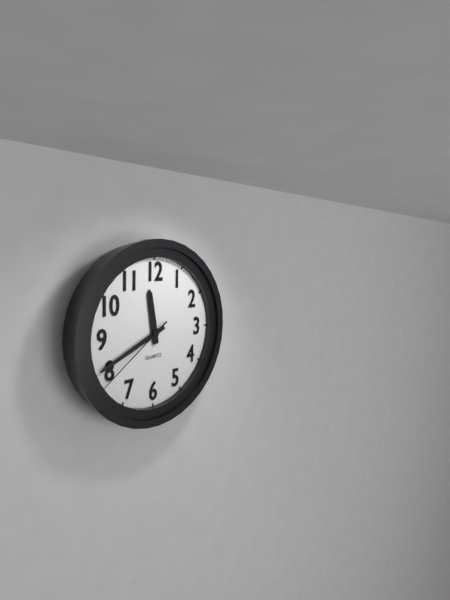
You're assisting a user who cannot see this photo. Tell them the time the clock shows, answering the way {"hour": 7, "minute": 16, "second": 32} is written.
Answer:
{"hour": 11, "minute": 41, "second": 39}
